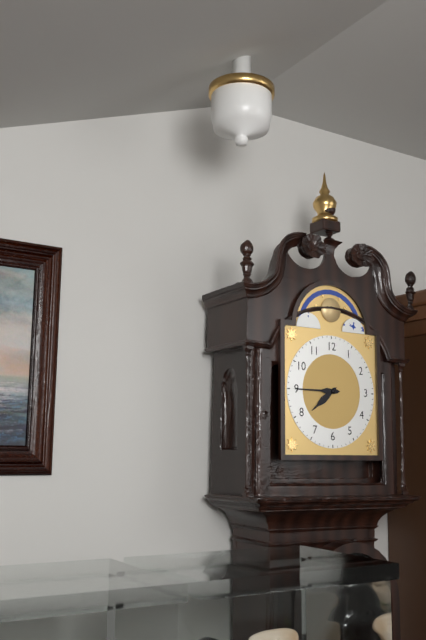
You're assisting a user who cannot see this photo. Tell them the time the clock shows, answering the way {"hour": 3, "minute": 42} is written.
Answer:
{"hour": 7, "minute": 45}
